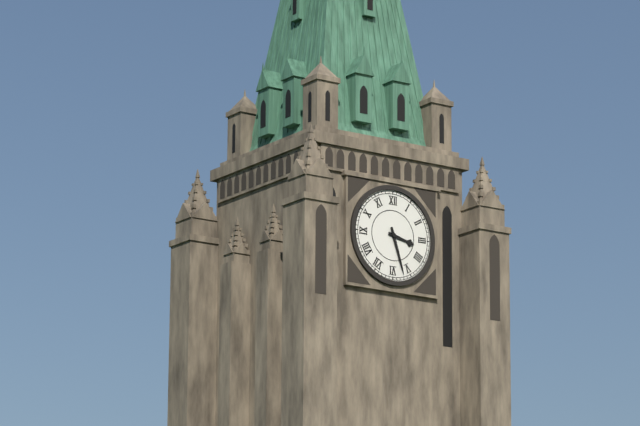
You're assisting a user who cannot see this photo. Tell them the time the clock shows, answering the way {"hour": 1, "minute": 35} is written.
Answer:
{"hour": 3, "minute": 27}
